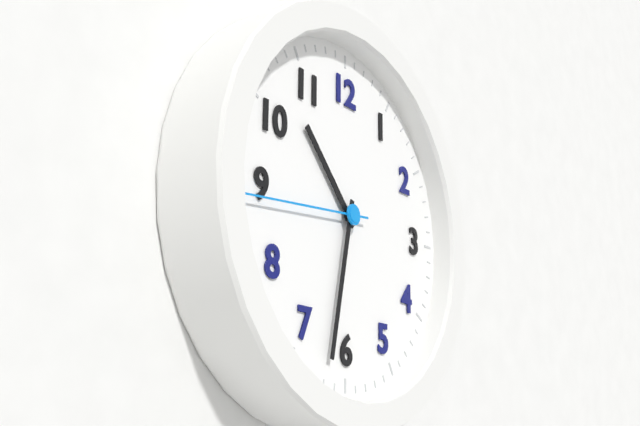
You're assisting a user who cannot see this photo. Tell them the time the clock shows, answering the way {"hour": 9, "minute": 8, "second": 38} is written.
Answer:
{"hour": 10, "minute": 32, "second": 44}
